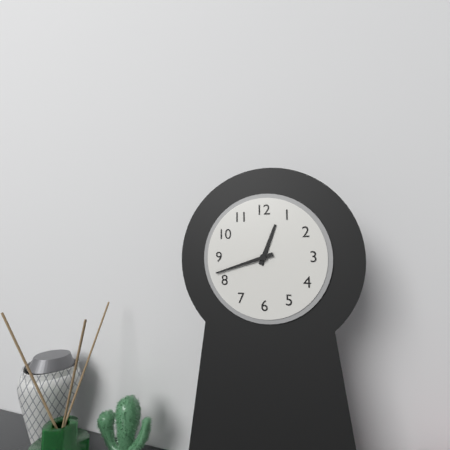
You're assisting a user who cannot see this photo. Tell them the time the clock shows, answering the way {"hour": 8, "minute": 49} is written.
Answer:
{"hour": 12, "minute": 42}
